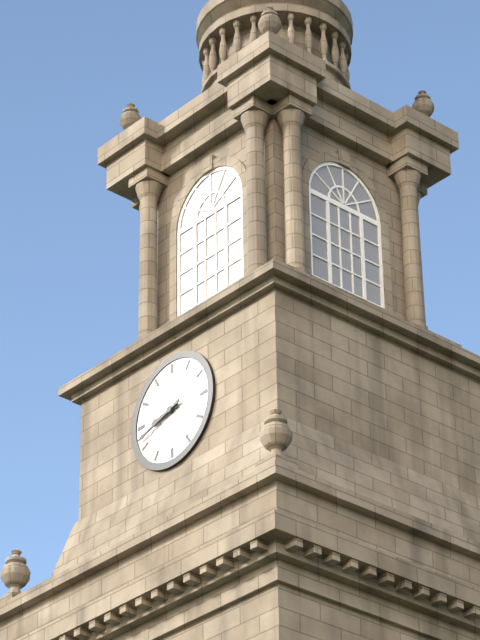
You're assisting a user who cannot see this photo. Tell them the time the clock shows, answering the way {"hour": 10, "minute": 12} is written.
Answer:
{"hour": 8, "minute": 42}
